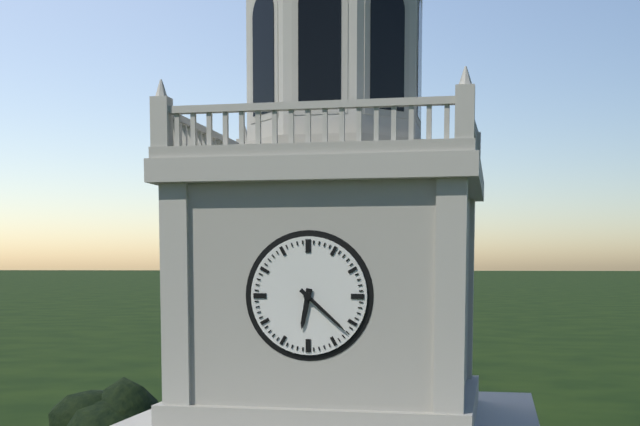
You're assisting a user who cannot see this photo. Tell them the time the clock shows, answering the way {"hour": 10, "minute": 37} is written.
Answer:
{"hour": 6, "minute": 22}
